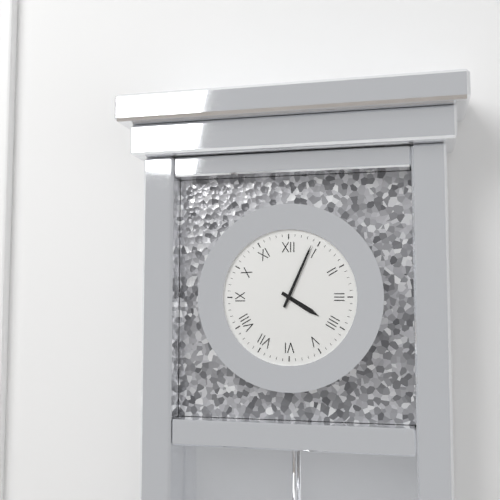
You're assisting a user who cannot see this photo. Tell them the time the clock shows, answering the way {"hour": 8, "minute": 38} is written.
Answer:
{"hour": 4, "minute": 4}
